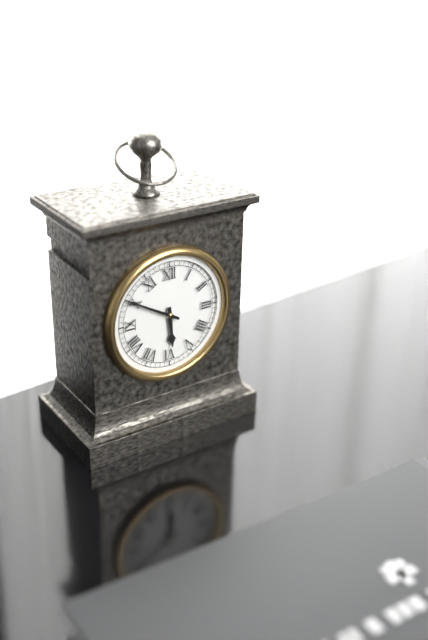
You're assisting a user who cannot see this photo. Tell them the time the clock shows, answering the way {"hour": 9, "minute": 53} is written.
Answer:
{"hour": 5, "minute": 50}
